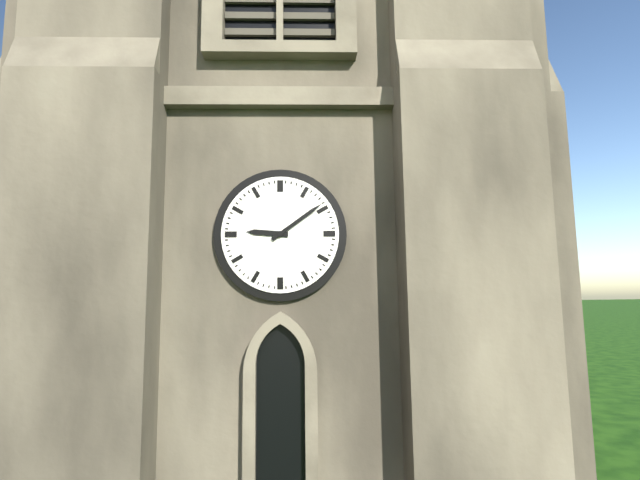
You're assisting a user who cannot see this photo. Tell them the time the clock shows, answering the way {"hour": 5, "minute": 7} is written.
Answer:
{"hour": 9, "minute": 9}
